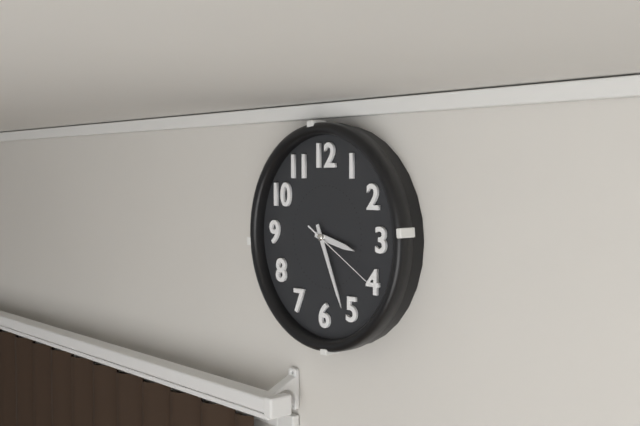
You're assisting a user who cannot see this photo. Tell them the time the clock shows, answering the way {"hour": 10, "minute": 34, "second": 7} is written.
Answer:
{"hour": 3, "minute": 26, "second": 20}
